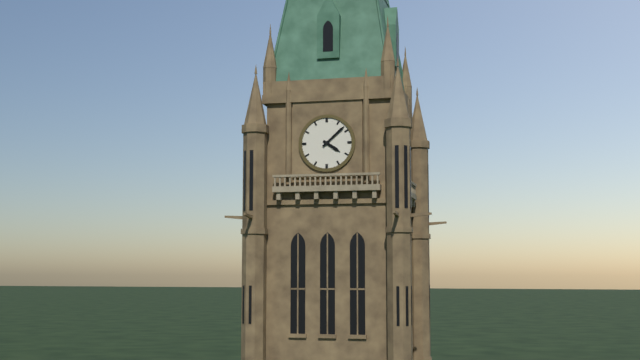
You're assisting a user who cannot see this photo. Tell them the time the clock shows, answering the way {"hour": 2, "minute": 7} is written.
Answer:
{"hour": 4, "minute": 8}
